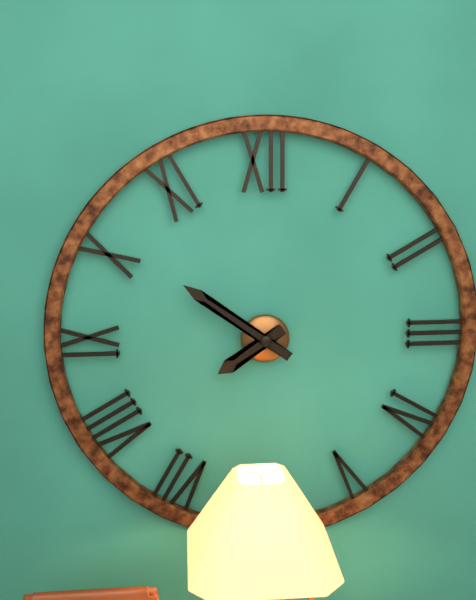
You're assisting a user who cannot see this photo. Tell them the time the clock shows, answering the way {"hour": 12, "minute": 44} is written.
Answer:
{"hour": 7, "minute": 51}
